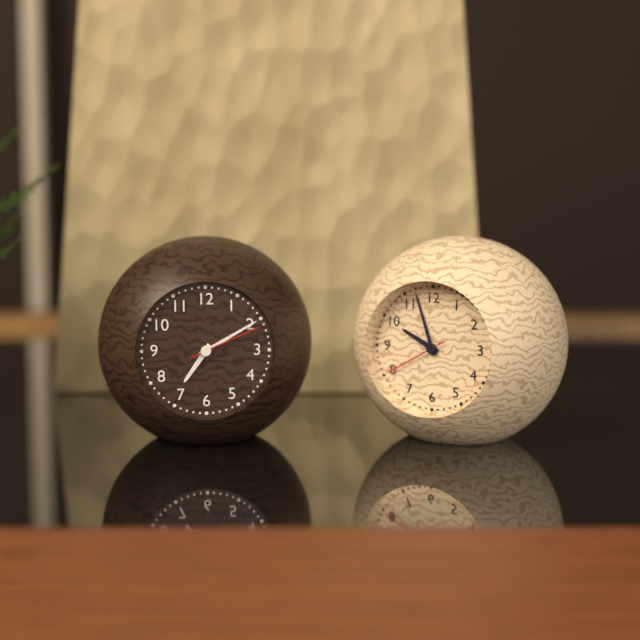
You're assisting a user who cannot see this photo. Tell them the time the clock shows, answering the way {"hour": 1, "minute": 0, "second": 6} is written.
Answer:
{"hour": 7, "minute": 10, "second": 11}
